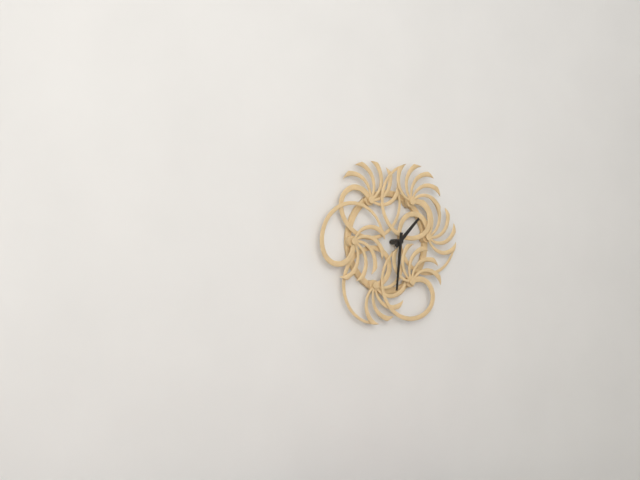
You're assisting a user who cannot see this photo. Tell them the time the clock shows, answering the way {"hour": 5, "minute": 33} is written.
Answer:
{"hour": 1, "minute": 31}
